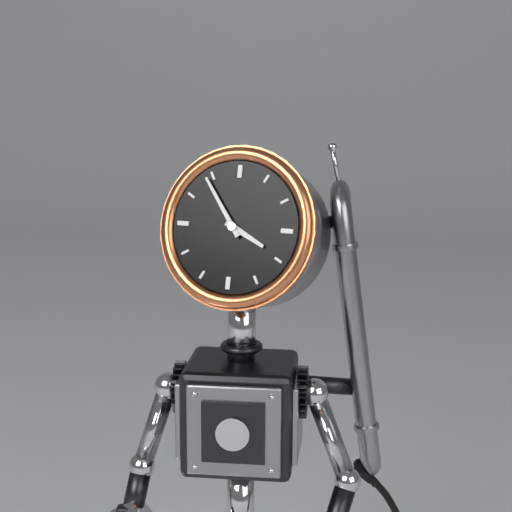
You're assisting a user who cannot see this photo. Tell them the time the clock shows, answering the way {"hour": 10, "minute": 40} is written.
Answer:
{"hour": 3, "minute": 54}
